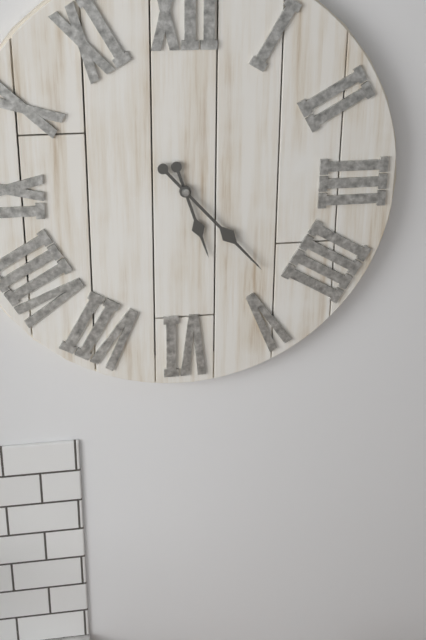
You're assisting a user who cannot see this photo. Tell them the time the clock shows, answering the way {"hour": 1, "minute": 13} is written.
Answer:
{"hour": 5, "minute": 23}
